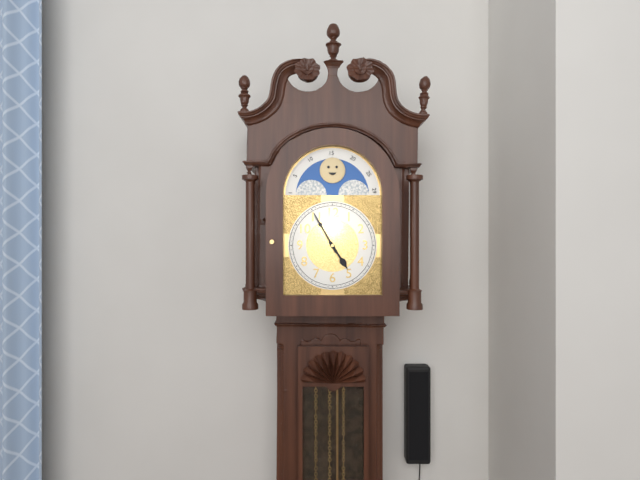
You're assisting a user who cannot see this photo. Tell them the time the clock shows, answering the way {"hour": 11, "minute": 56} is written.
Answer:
{"hour": 4, "minute": 55}
